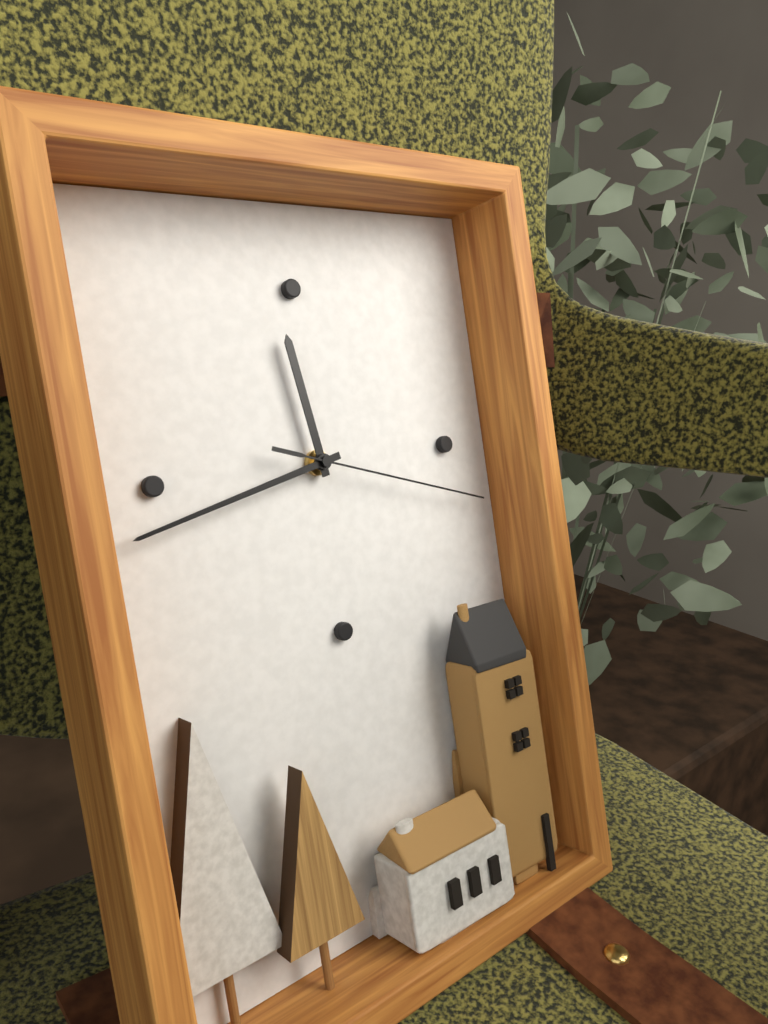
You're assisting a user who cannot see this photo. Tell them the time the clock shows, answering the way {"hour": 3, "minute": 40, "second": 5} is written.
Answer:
{"hour": 11, "minute": 43, "second": 18}
